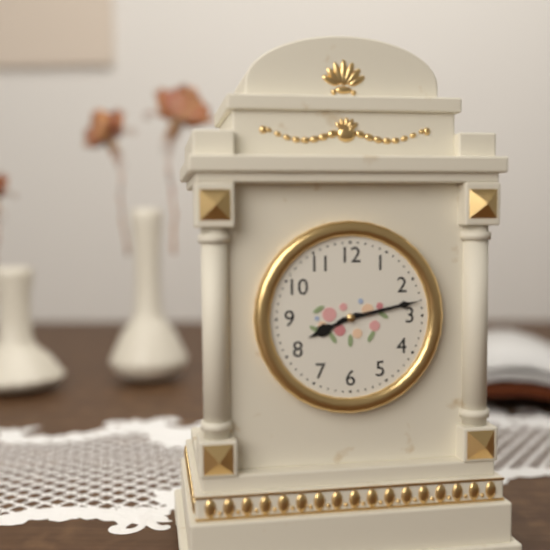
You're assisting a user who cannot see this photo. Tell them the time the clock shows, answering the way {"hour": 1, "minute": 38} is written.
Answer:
{"hour": 8, "minute": 13}
